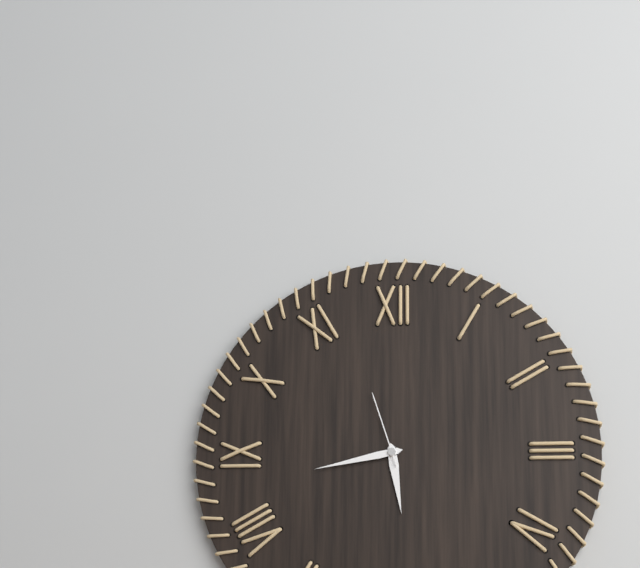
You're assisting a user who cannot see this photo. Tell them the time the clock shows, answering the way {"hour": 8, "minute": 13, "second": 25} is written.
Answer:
{"hour": 5, "minute": 43, "second": 57}
